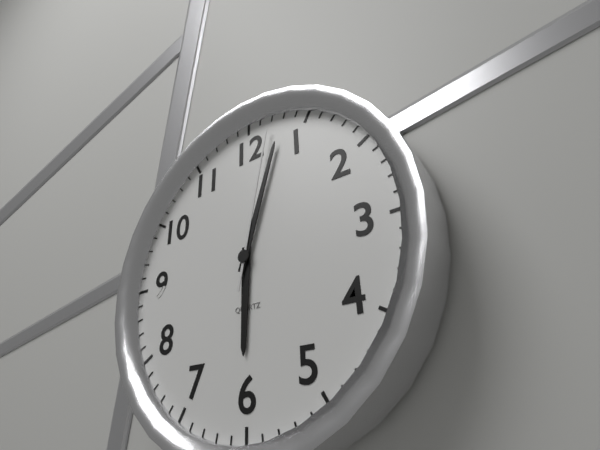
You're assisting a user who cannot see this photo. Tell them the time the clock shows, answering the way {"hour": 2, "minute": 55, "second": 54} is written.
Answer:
{"hour": 6, "minute": 3, "second": 2}
